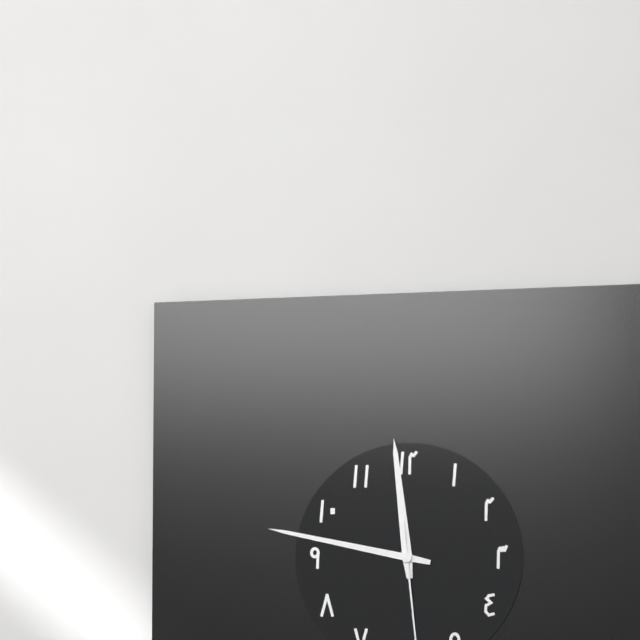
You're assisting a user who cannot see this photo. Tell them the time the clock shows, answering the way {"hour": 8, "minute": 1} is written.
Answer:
{"hour": 11, "minute": 47}
